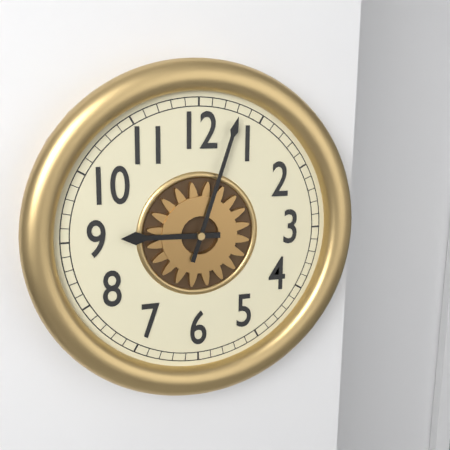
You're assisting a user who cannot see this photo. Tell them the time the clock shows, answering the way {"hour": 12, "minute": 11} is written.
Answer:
{"hour": 9, "minute": 3}
